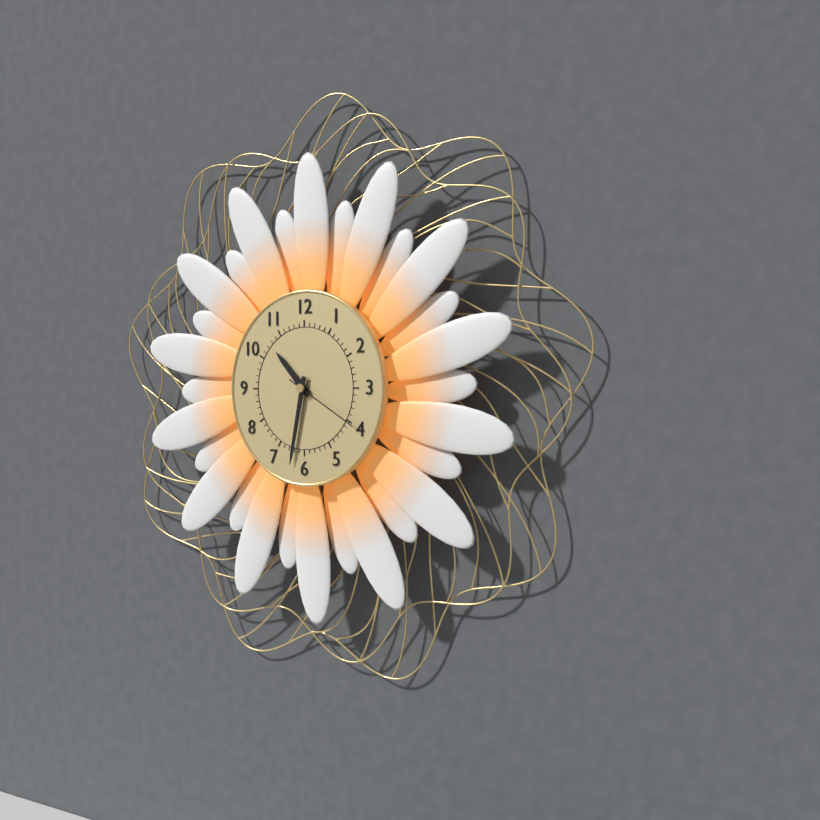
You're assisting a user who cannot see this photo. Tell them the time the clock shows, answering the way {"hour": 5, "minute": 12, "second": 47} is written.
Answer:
{"hour": 10, "minute": 32, "second": 20}
